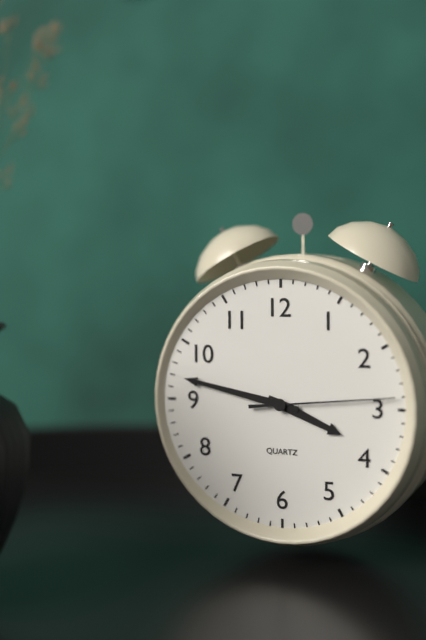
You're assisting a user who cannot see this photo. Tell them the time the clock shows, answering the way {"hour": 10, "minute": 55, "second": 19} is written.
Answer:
{"hour": 3, "minute": 47, "second": 14}
